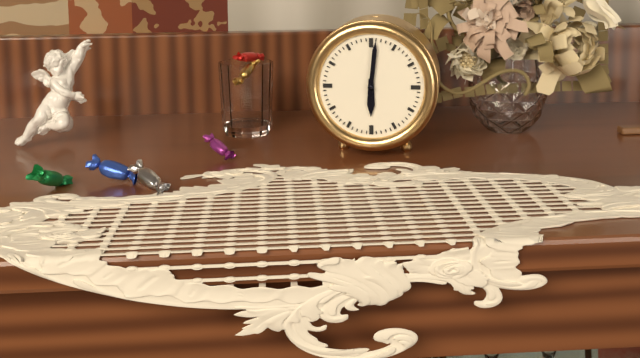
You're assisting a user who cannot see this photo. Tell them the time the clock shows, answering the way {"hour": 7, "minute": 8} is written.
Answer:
{"hour": 6, "minute": 1}
